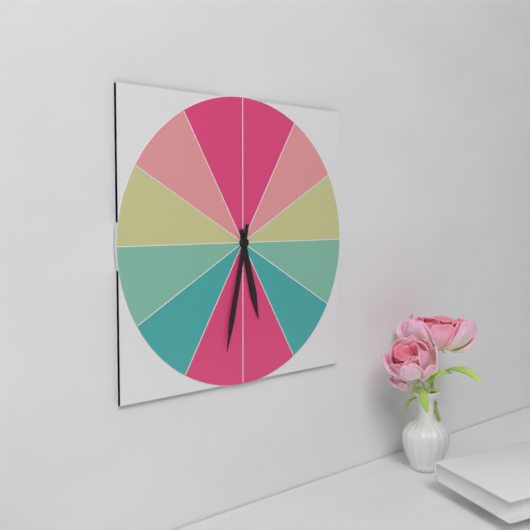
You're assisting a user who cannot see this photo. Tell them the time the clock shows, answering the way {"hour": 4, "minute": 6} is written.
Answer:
{"hour": 5, "minute": 32}
